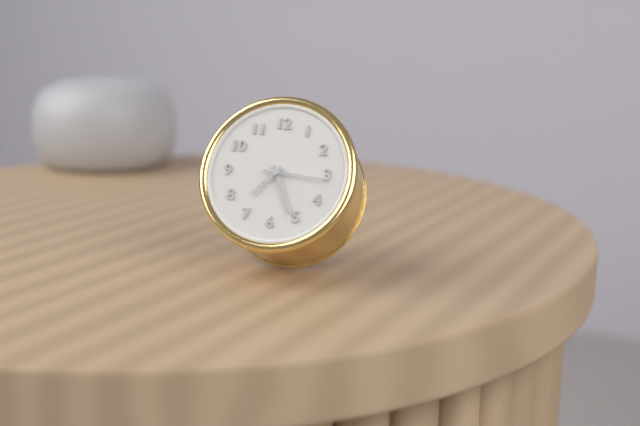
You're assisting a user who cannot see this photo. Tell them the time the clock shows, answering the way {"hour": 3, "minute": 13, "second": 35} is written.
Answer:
{"hour": 7, "minute": 26, "second": 16}
